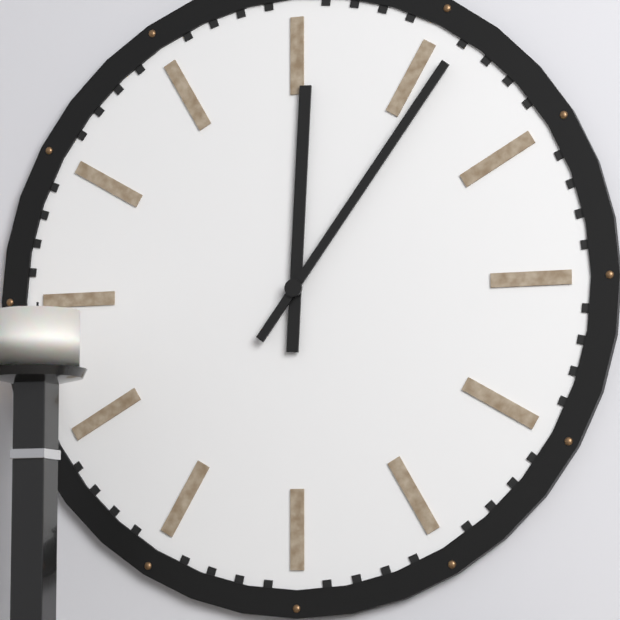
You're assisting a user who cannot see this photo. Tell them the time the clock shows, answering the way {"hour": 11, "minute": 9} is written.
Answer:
{"hour": 12, "minute": 6}
